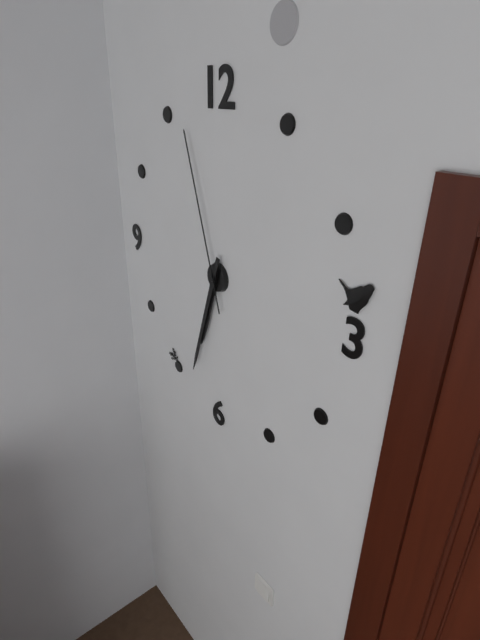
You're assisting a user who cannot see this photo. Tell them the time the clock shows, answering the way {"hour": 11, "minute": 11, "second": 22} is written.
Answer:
{"hour": 6, "minute": 33, "second": 57}
